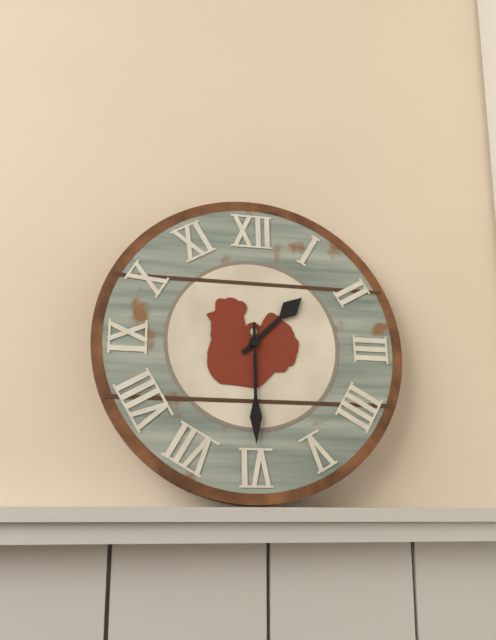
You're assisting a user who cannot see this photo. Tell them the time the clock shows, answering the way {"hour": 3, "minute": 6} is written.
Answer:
{"hour": 1, "minute": 30}
